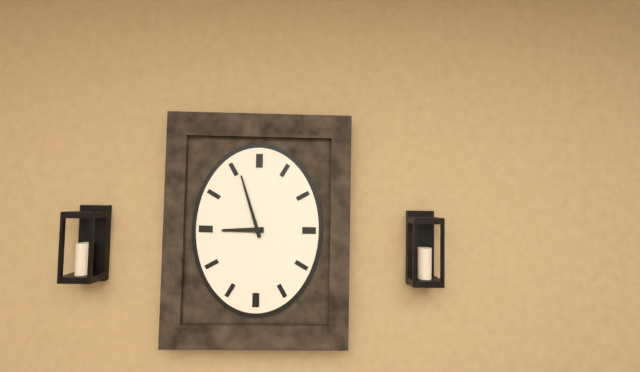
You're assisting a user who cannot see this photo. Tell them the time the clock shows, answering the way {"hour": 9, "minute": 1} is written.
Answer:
{"hour": 8, "minute": 57}
